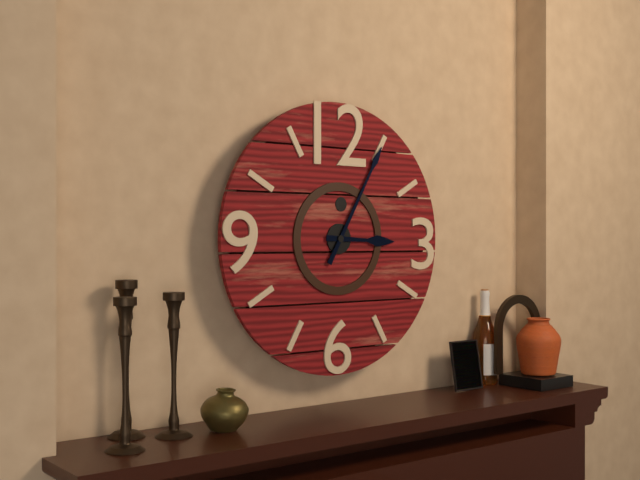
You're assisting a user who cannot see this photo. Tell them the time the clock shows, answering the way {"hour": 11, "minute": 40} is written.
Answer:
{"hour": 3, "minute": 5}
